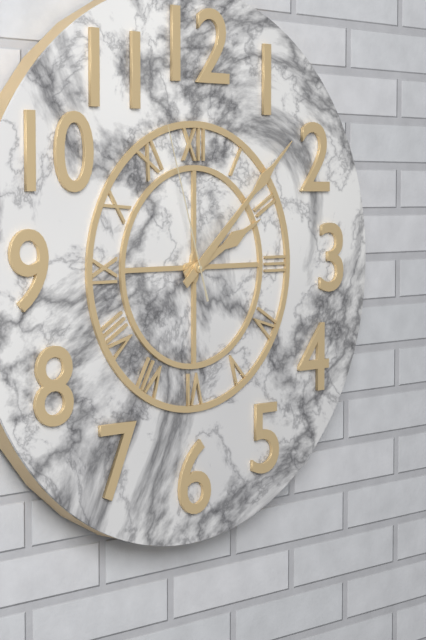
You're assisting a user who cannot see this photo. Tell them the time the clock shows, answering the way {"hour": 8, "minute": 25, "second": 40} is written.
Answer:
{"hour": 2, "minute": 8, "second": 57}
